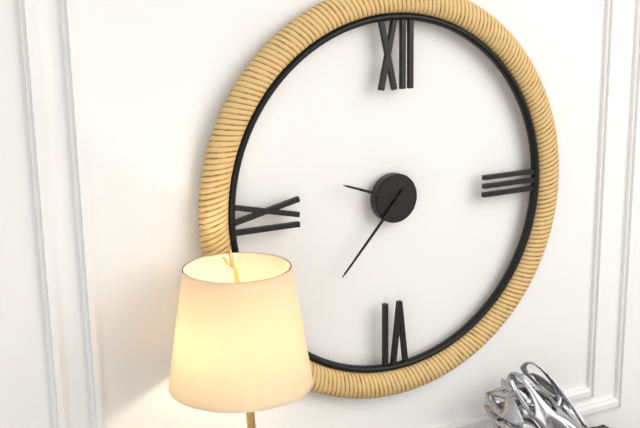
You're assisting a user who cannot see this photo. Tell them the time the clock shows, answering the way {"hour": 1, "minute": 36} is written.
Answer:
{"hour": 9, "minute": 37}
